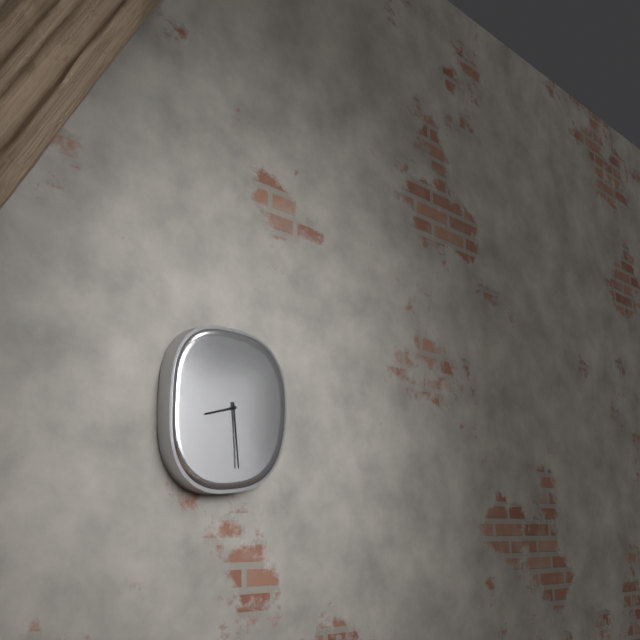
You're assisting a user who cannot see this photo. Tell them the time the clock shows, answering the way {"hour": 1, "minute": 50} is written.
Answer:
{"hour": 8, "minute": 29}
